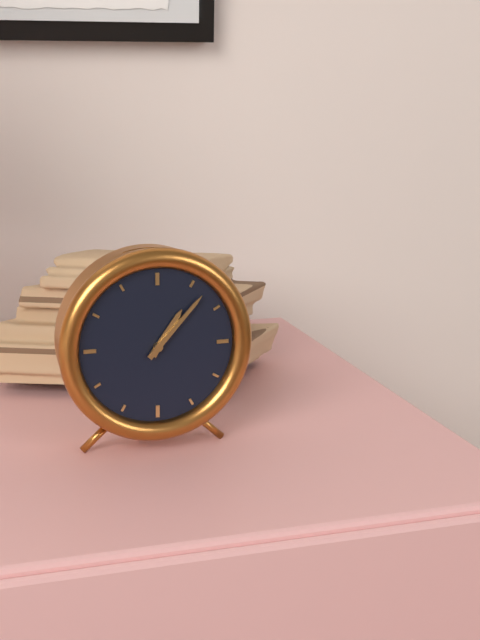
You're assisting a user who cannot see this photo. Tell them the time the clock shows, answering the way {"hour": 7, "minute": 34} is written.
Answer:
{"hour": 1, "minute": 7}
